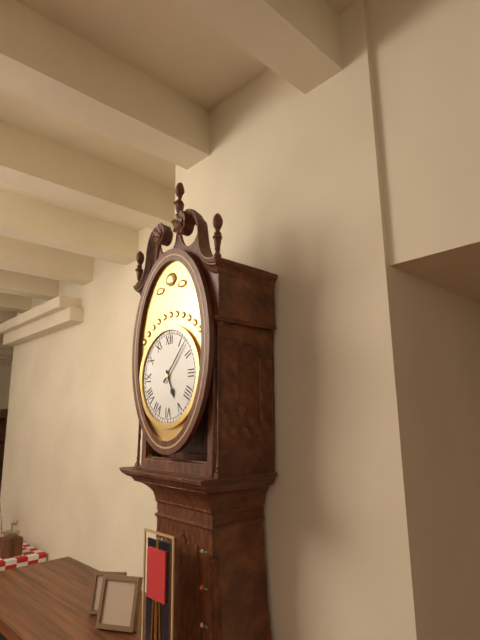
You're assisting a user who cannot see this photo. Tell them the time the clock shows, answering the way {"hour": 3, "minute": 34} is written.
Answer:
{"hour": 5, "minute": 7}
